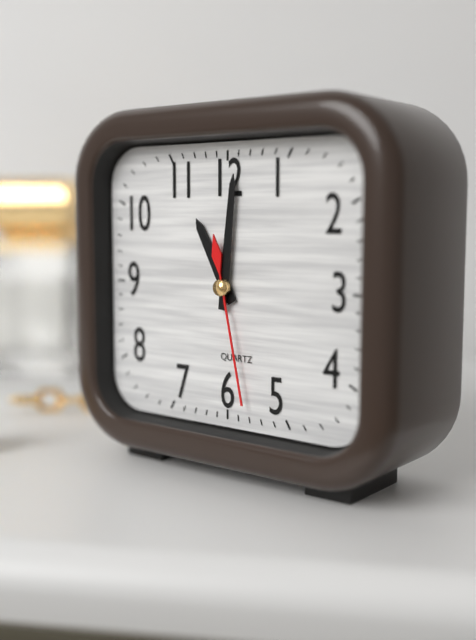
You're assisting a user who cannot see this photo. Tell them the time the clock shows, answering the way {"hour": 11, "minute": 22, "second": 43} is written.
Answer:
{"hour": 11, "minute": 1, "second": 28}
